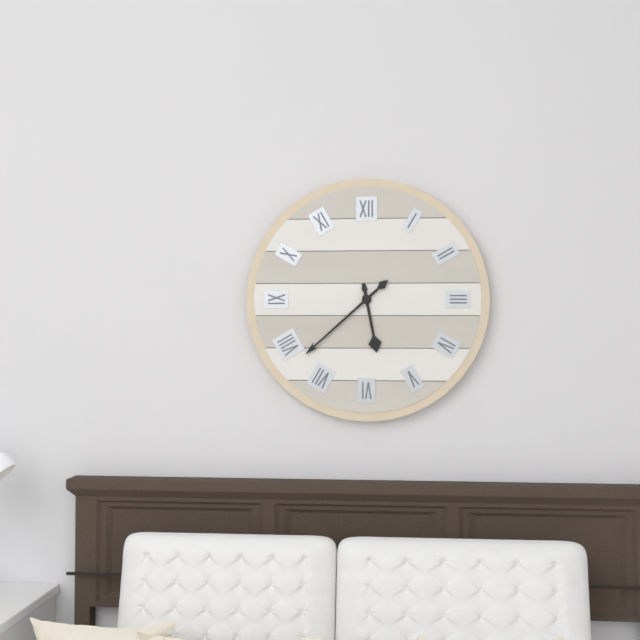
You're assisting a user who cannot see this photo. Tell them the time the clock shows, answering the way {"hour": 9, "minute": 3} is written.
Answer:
{"hour": 5, "minute": 38}
